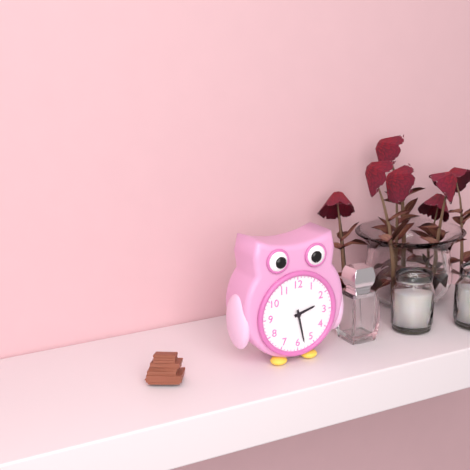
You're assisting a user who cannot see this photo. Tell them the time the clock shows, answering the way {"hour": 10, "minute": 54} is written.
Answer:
{"hour": 2, "minute": 28}
